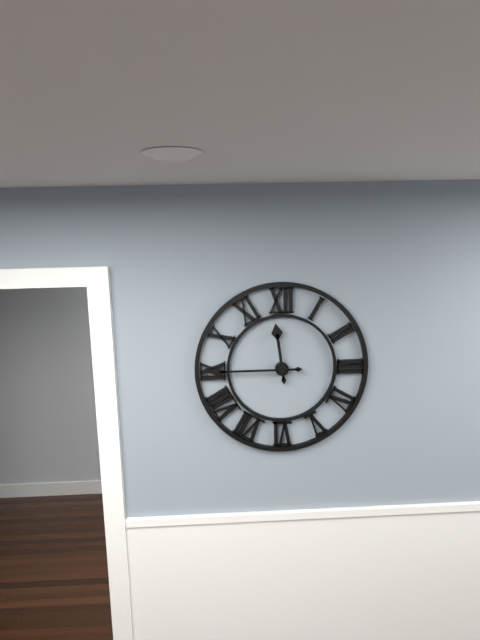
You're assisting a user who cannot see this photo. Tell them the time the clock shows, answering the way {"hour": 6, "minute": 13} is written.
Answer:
{"hour": 11, "minute": 45}
